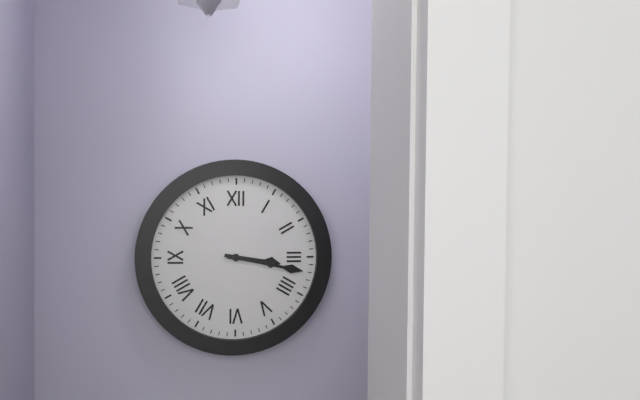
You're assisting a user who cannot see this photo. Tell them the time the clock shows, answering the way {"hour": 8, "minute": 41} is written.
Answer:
{"hour": 3, "minute": 17}
